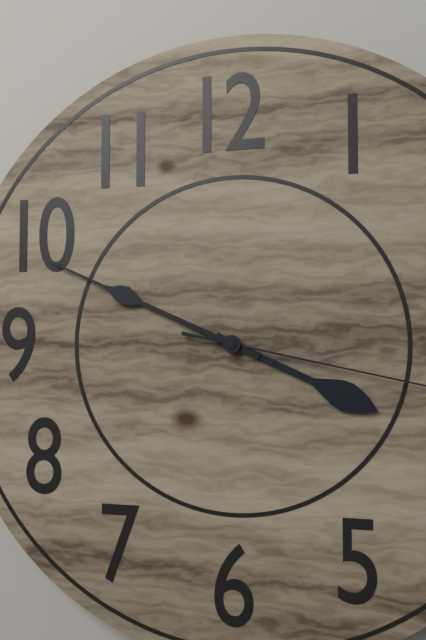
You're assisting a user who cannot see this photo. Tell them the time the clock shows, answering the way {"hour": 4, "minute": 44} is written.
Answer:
{"hour": 3, "minute": 49}
